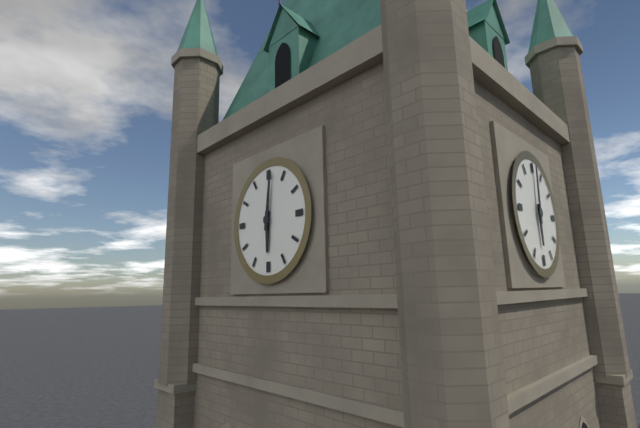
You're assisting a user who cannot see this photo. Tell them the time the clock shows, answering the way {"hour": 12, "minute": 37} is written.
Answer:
{"hour": 6, "minute": 1}
